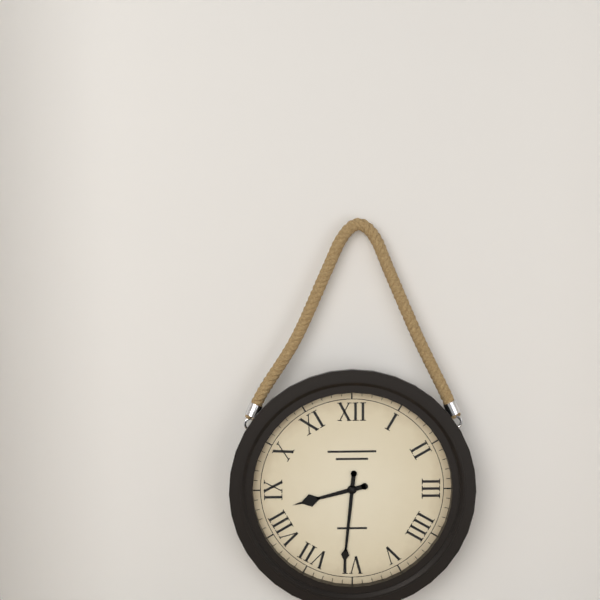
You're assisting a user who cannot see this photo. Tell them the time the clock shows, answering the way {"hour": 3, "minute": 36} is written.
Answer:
{"hour": 8, "minute": 31}
